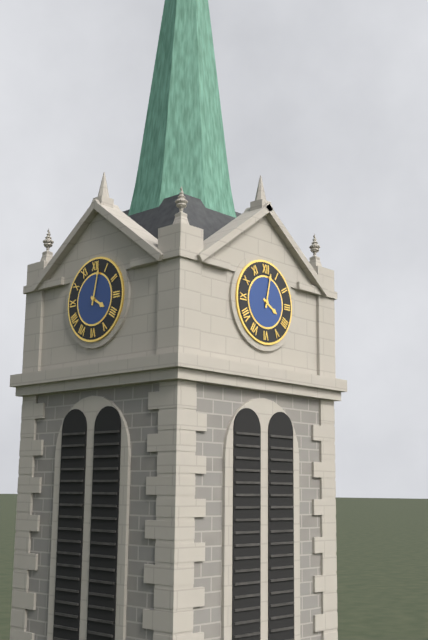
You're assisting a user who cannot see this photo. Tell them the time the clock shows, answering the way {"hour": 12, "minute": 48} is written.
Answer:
{"hour": 4, "minute": 2}
